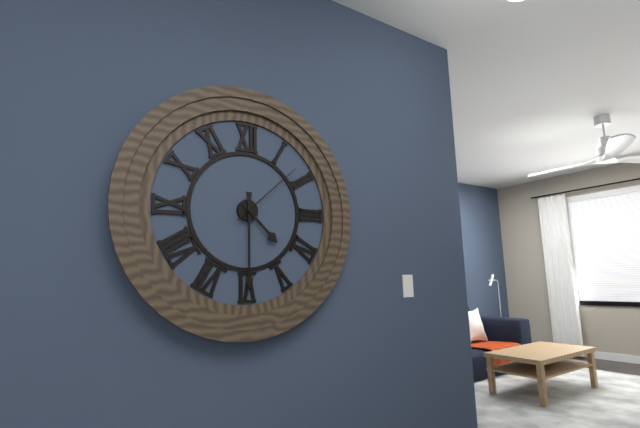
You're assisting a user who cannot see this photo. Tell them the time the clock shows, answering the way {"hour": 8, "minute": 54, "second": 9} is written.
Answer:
{"hour": 4, "minute": 30, "second": 8}
